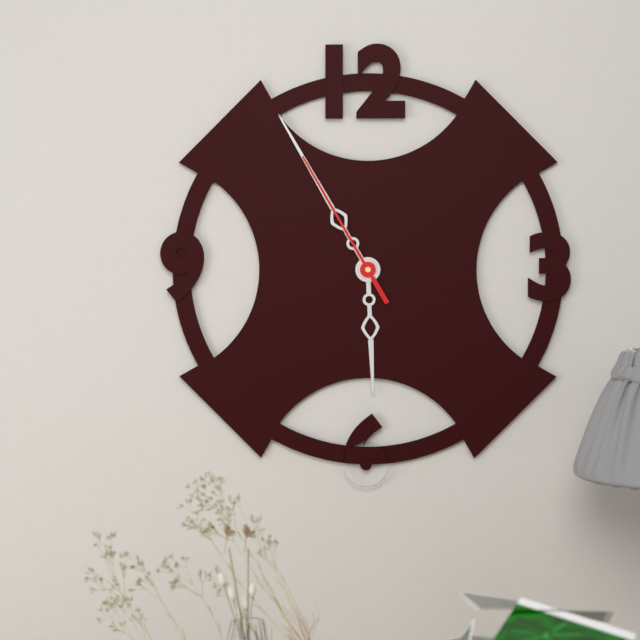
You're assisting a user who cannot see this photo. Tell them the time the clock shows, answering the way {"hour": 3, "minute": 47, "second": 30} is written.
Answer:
{"hour": 5, "minute": 55, "second": 55}
